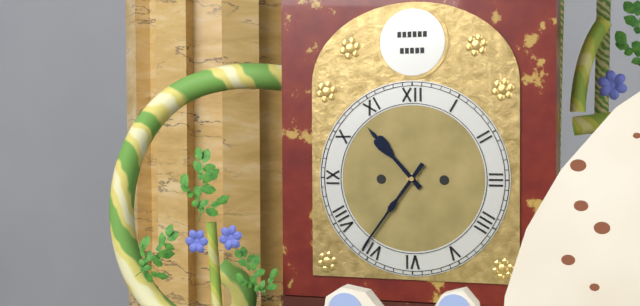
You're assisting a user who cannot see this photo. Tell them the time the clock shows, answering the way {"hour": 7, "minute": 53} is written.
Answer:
{"hour": 10, "minute": 36}
